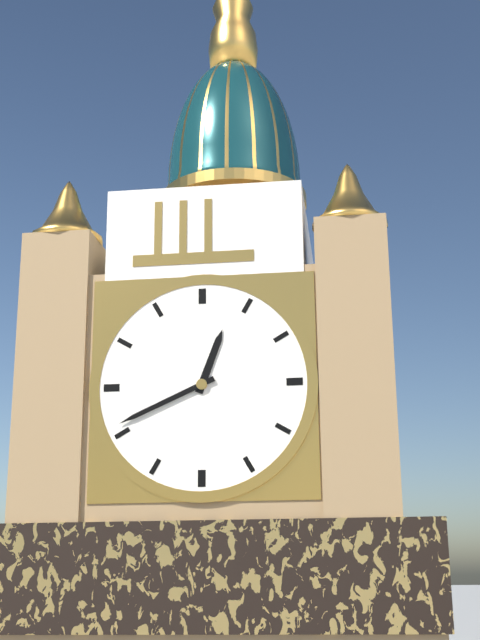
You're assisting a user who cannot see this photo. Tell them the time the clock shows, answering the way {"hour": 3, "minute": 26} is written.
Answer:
{"hour": 12, "minute": 41}
